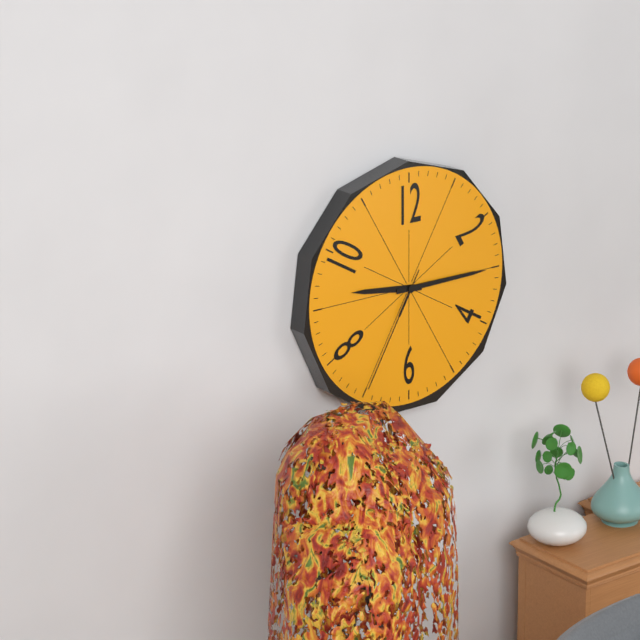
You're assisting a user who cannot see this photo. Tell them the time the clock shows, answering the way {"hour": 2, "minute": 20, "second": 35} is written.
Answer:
{"hour": 9, "minute": 15, "second": 35}
